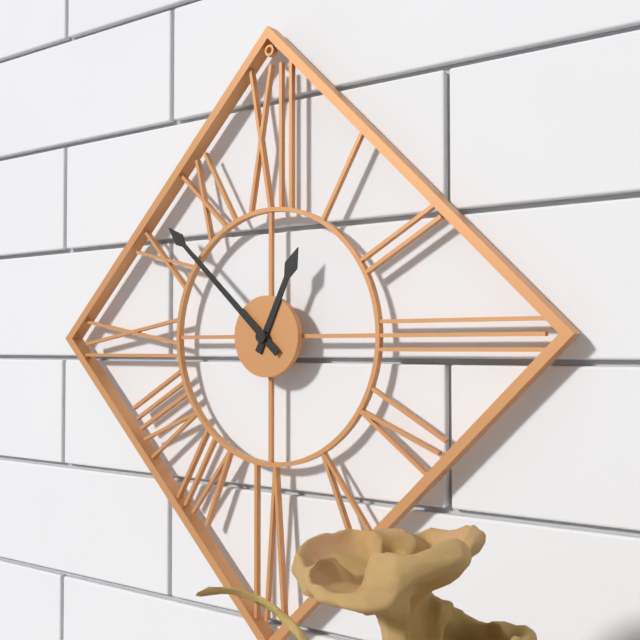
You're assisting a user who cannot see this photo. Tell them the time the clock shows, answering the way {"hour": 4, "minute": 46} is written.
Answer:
{"hour": 12, "minute": 52}
